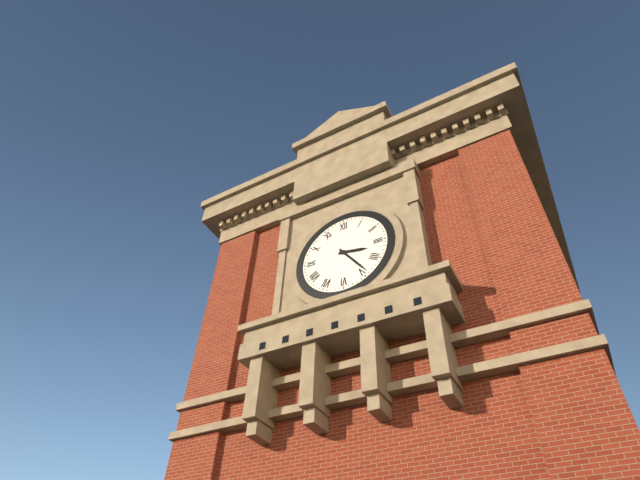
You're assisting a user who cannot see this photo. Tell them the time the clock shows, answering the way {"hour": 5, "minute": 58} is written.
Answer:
{"hour": 3, "minute": 24}
